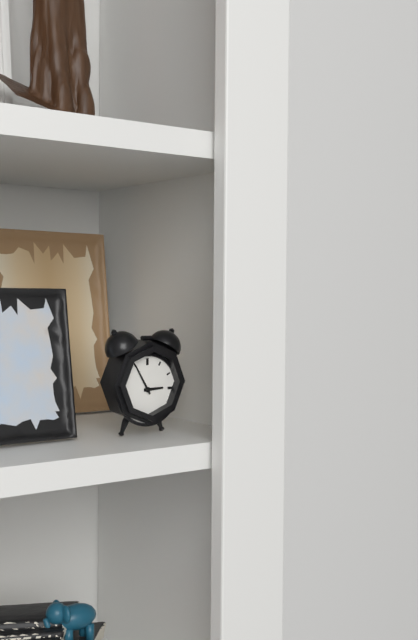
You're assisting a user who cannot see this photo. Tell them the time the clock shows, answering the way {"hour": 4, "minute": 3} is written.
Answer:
{"hour": 2, "minute": 55}
